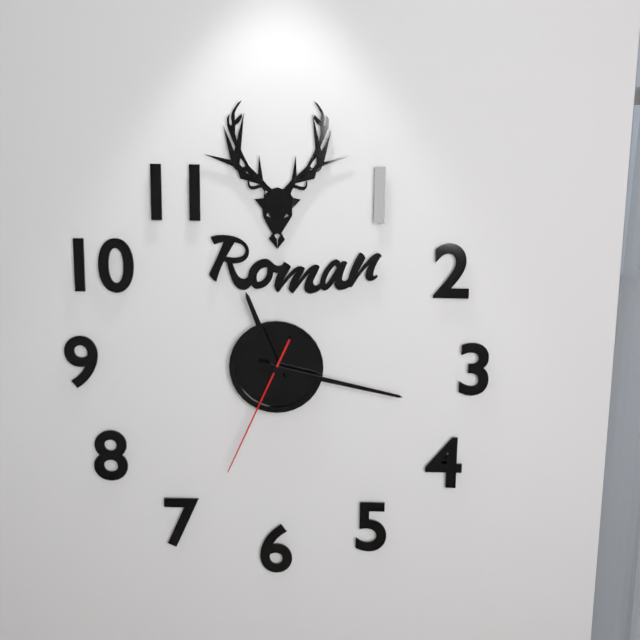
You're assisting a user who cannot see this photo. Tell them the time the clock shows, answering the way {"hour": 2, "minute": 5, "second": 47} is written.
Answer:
{"hour": 11, "minute": 17, "second": 34}
